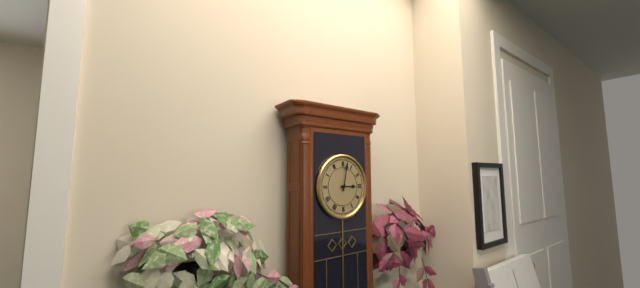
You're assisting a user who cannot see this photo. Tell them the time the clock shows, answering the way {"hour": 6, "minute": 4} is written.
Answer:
{"hour": 3, "minute": 2}
